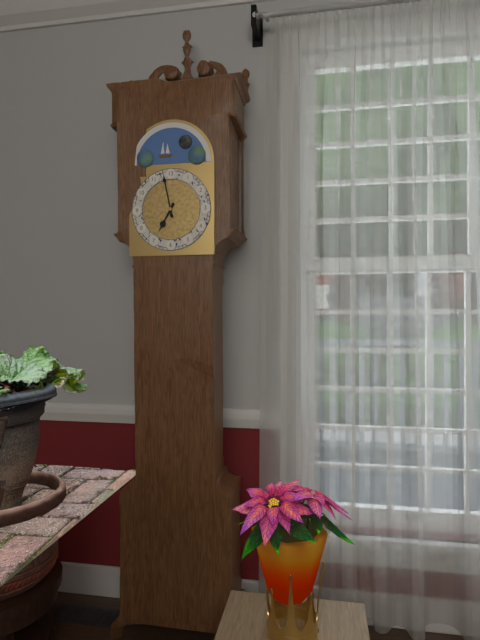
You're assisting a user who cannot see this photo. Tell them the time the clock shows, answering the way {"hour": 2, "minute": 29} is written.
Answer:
{"hour": 6, "minute": 58}
